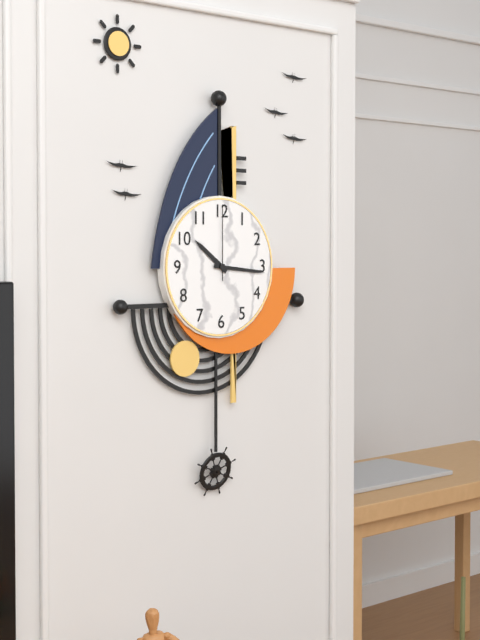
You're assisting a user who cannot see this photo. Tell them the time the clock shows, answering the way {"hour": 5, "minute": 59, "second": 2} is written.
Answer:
{"hour": 10, "minute": 16, "second": 0}
